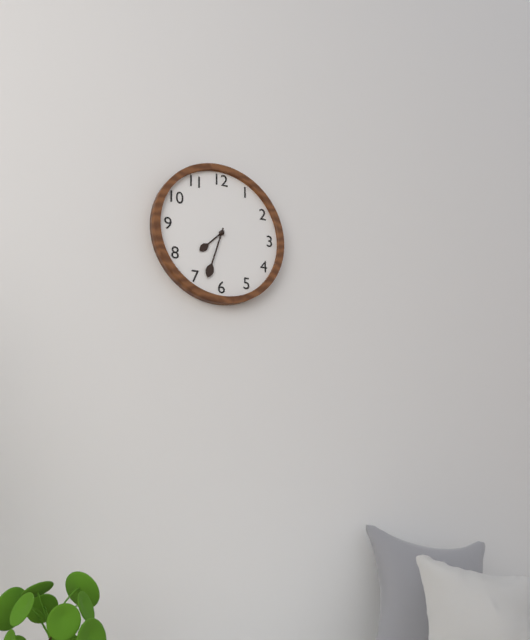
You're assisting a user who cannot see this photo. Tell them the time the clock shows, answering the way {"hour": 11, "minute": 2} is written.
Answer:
{"hour": 7, "minute": 33}
